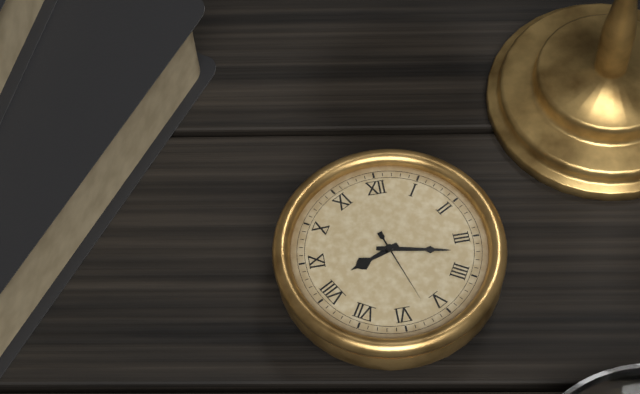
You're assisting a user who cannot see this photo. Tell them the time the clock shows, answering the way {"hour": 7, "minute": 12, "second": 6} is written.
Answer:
{"hour": 8, "minute": 17, "second": 27}
